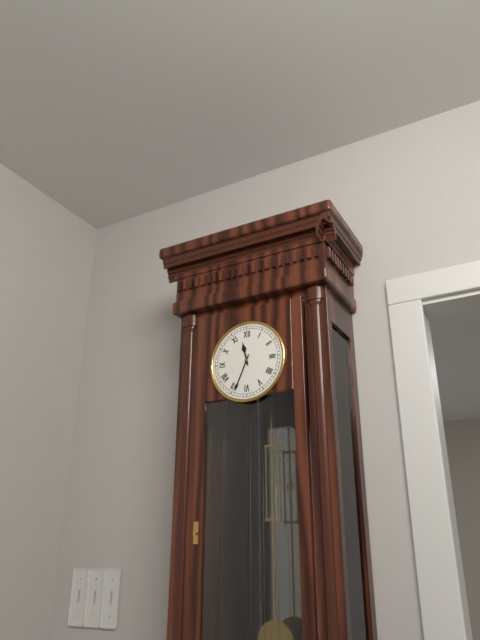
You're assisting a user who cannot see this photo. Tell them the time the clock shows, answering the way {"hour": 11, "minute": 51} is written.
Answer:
{"hour": 11, "minute": 34}
